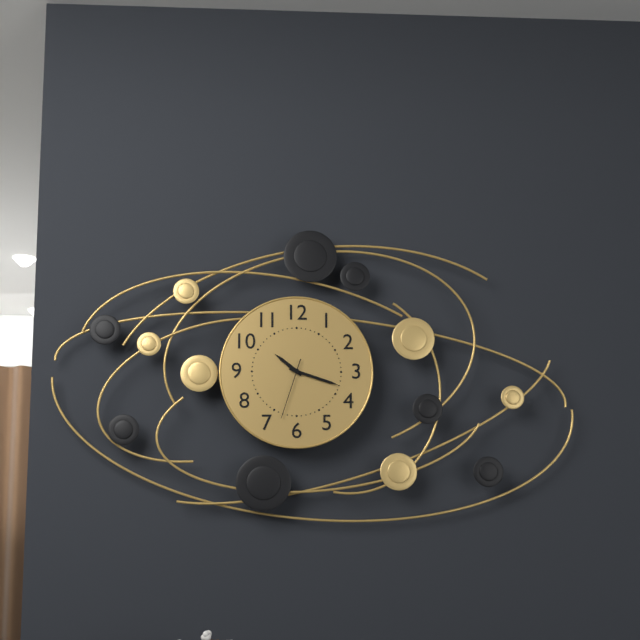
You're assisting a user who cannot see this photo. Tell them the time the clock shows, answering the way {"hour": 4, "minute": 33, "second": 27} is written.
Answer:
{"hour": 10, "minute": 18, "second": 33}
